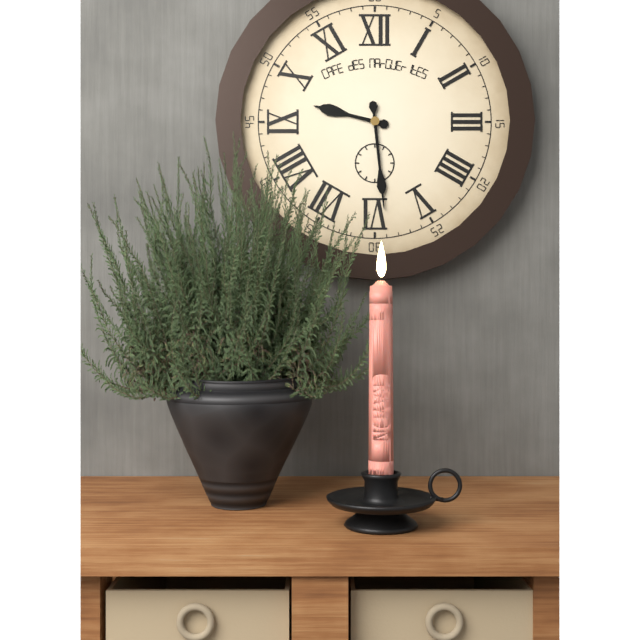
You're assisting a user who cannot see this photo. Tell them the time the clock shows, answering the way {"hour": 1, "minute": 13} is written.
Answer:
{"hour": 9, "minute": 29}
